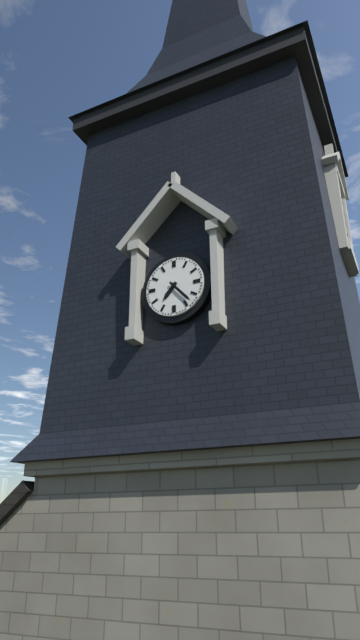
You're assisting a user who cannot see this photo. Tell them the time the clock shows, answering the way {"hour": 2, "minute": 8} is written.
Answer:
{"hour": 7, "minute": 23}
